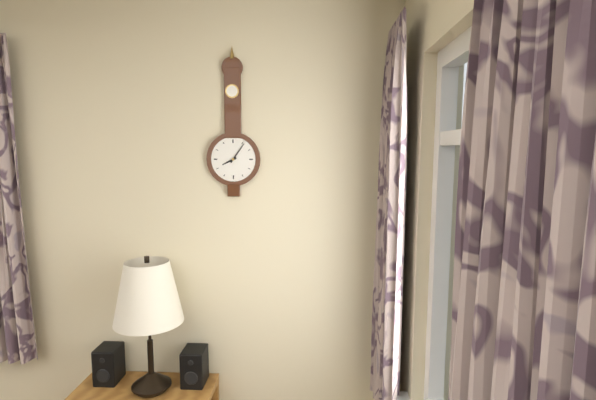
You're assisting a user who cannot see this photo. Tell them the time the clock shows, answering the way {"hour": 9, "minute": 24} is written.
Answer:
{"hour": 8, "minute": 6}
